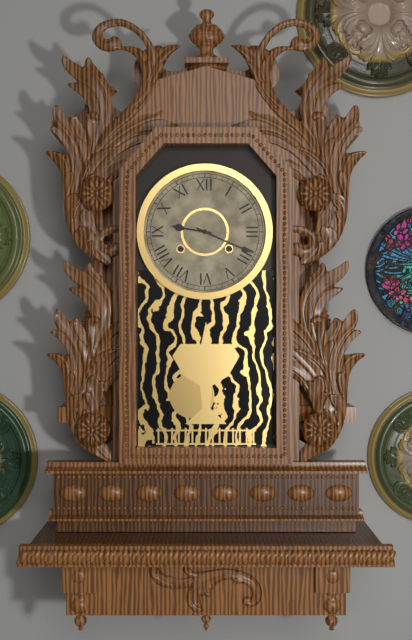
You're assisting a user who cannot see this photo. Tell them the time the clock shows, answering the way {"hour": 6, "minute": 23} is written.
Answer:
{"hour": 9, "minute": 19}
